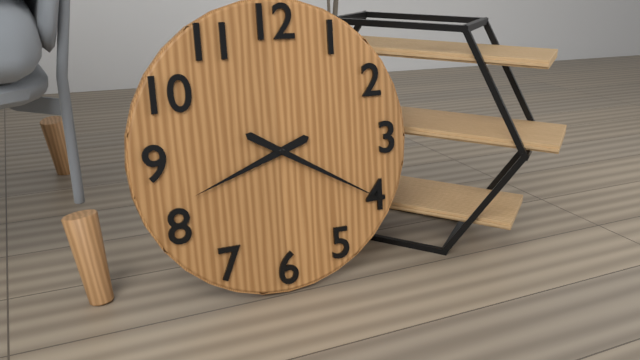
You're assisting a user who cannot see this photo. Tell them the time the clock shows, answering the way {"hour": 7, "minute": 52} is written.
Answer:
{"hour": 8, "minute": 20}
